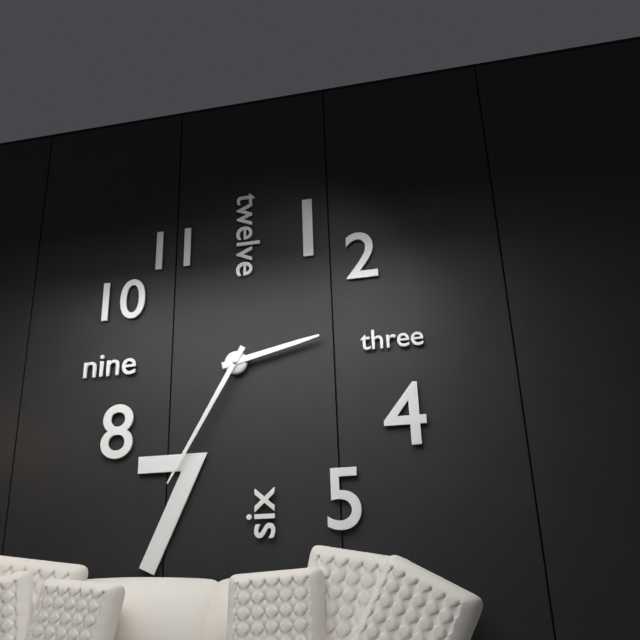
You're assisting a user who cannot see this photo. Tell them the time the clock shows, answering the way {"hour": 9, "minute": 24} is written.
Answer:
{"hour": 2, "minute": 35}
